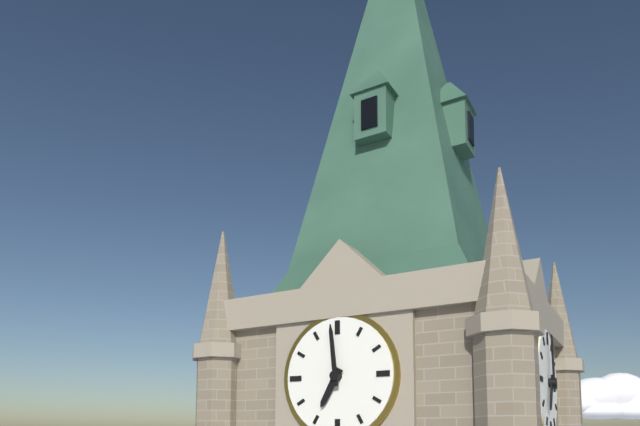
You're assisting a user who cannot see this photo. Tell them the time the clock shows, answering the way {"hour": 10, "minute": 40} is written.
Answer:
{"hour": 6, "minute": 59}
